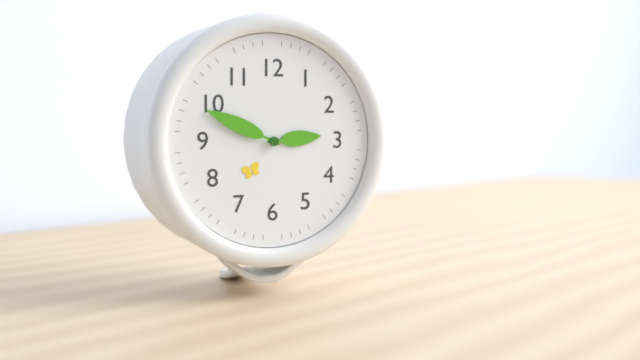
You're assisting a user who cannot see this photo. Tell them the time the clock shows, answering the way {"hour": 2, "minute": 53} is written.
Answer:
{"hour": 2, "minute": 49}
